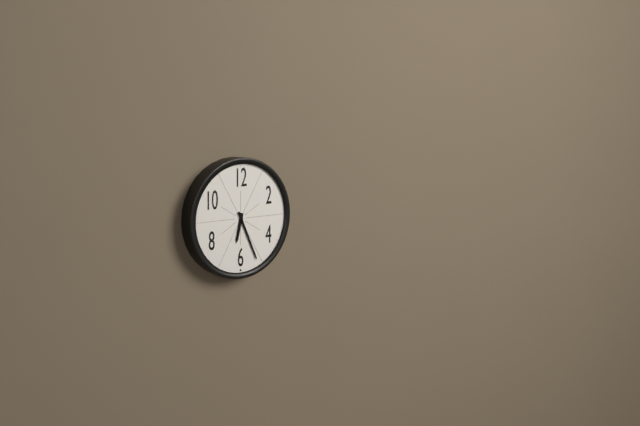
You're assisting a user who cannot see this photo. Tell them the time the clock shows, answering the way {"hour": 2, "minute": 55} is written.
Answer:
{"hour": 6, "minute": 26}
